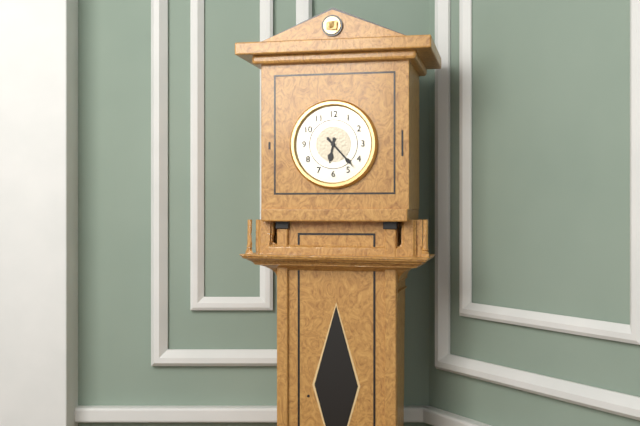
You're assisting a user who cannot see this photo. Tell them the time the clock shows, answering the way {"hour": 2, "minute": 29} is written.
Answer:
{"hour": 6, "minute": 23}
